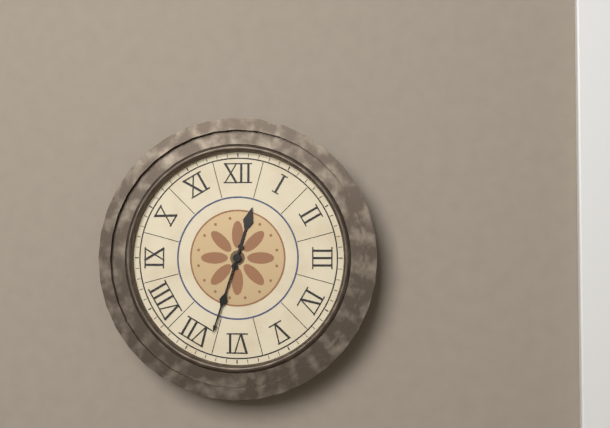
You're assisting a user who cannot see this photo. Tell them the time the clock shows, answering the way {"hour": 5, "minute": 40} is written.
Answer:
{"hour": 12, "minute": 33}
